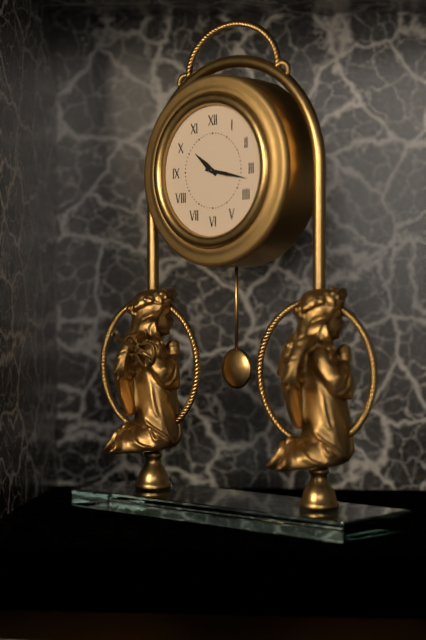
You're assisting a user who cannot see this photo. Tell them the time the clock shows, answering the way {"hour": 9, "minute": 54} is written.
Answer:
{"hour": 10, "minute": 17}
